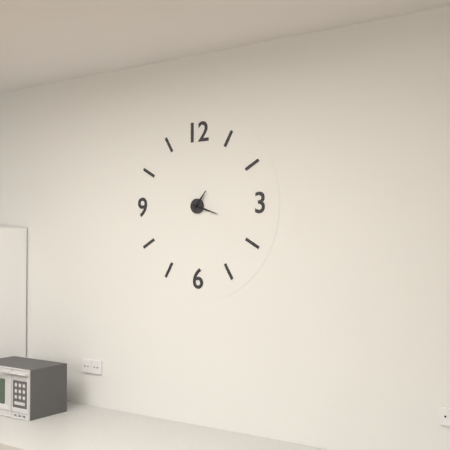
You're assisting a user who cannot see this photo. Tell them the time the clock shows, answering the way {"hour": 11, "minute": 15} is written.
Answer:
{"hour": 1, "minute": 18}
